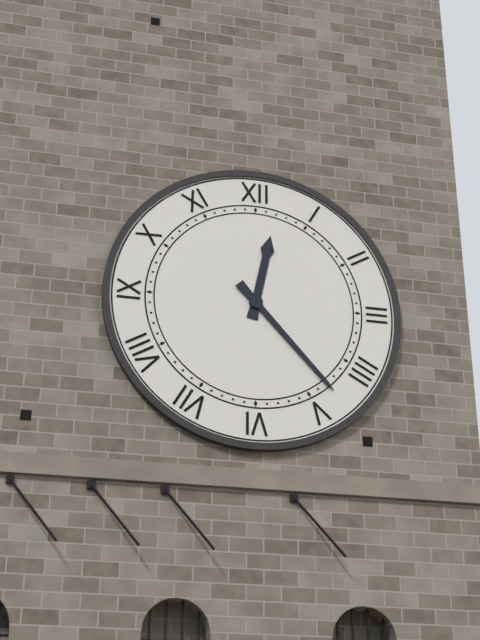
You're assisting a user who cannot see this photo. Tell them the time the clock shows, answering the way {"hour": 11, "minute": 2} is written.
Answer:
{"hour": 12, "minute": 23}
